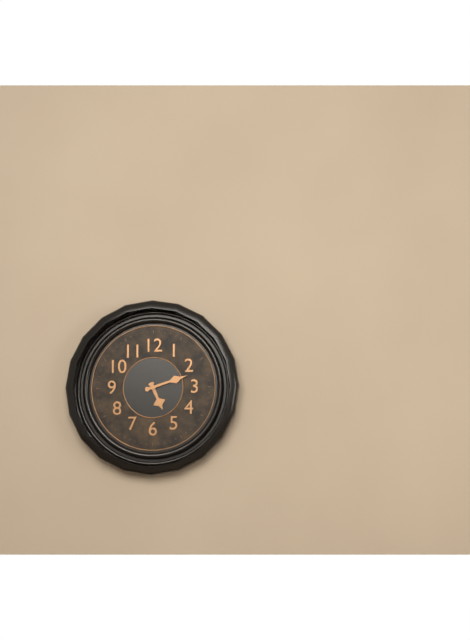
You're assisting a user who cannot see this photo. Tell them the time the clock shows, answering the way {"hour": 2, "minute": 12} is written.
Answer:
{"hour": 5, "minute": 12}
